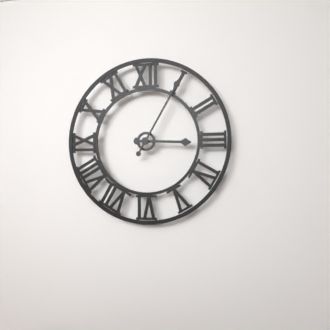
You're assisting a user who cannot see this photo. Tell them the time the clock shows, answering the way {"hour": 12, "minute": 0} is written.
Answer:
{"hour": 3, "minute": 5}
